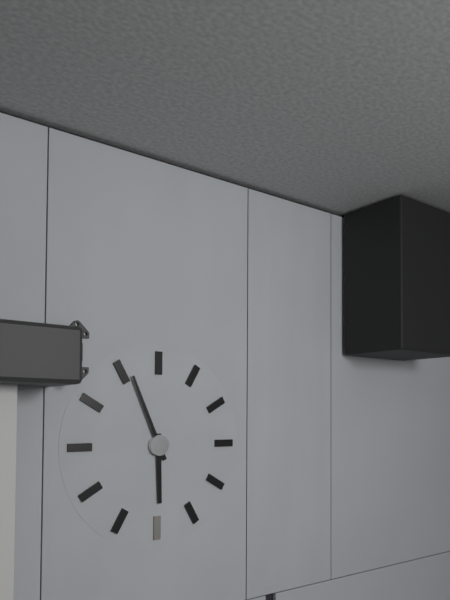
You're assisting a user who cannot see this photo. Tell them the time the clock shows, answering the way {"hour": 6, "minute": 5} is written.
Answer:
{"hour": 5, "minute": 56}
